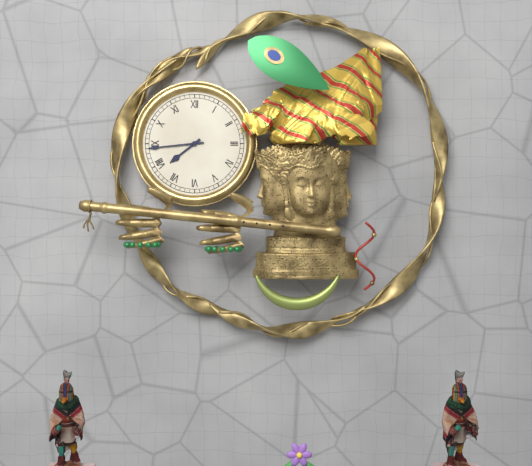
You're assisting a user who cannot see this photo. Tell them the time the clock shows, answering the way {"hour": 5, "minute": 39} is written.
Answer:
{"hour": 7, "minute": 44}
